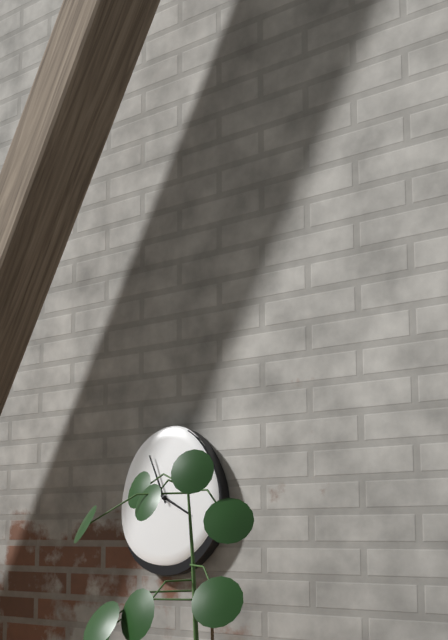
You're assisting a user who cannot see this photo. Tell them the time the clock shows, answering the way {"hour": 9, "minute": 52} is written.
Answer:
{"hour": 3, "minute": 56}
